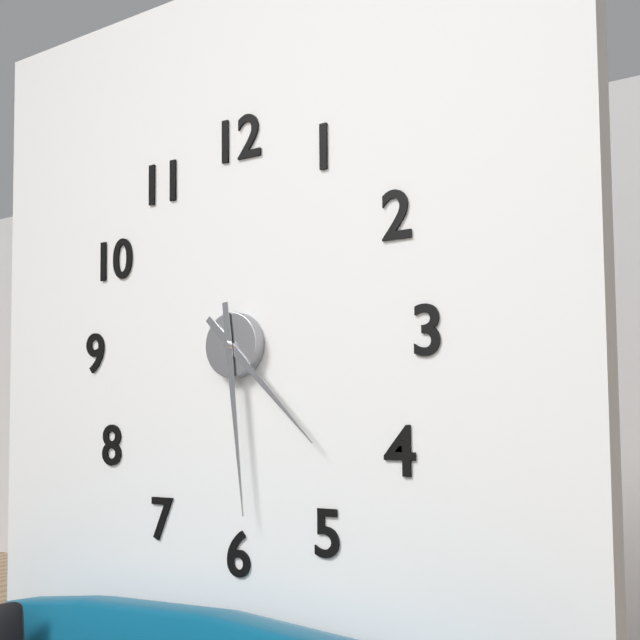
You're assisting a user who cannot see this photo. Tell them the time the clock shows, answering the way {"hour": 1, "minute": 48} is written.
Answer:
{"hour": 4, "minute": 29}
